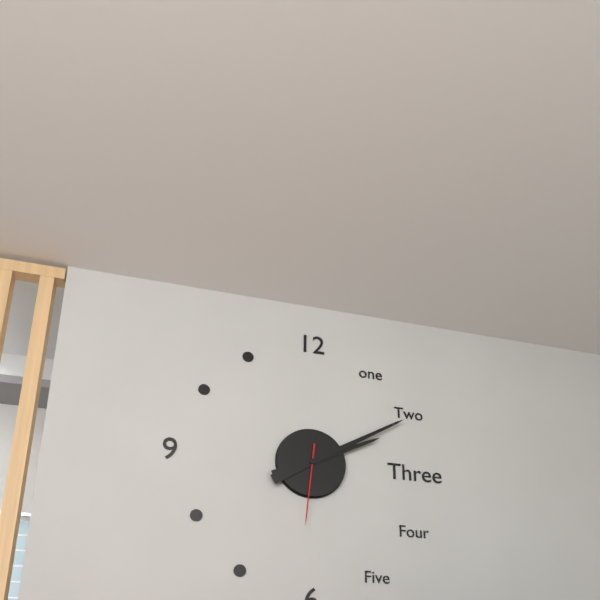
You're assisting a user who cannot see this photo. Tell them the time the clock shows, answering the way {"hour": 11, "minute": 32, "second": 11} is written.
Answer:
{"hour": 2, "minute": 10, "second": 31}
